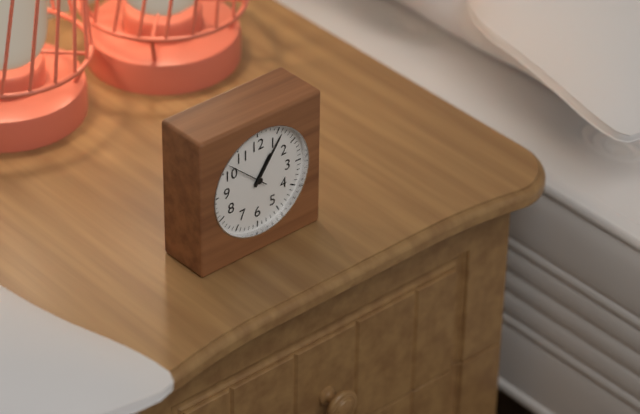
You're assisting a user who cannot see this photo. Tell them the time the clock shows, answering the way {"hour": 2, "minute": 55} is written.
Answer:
{"hour": 1, "minute": 6}
